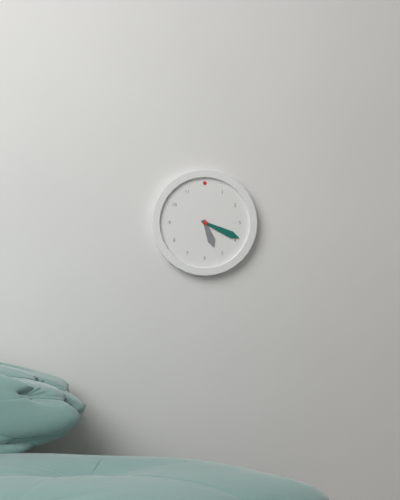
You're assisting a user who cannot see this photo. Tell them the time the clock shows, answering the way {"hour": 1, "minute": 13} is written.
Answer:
{"hour": 5, "minute": 19}
